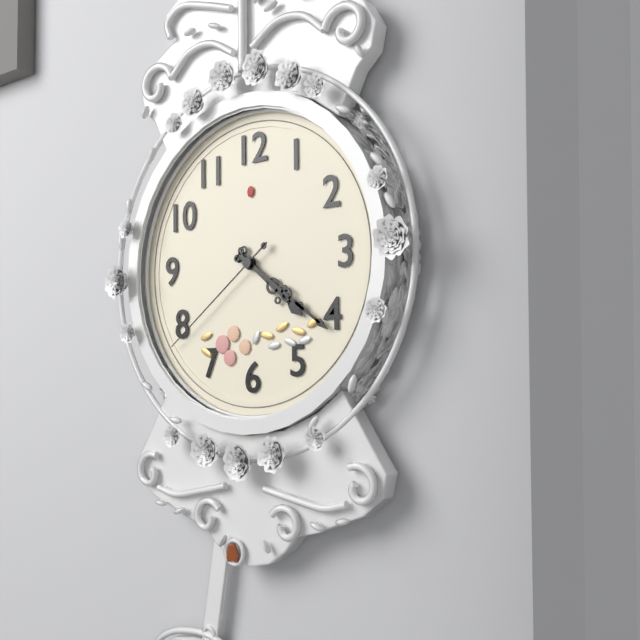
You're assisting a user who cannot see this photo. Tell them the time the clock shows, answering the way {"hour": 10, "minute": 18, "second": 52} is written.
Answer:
{"hour": 4, "minute": 21, "second": 39}
